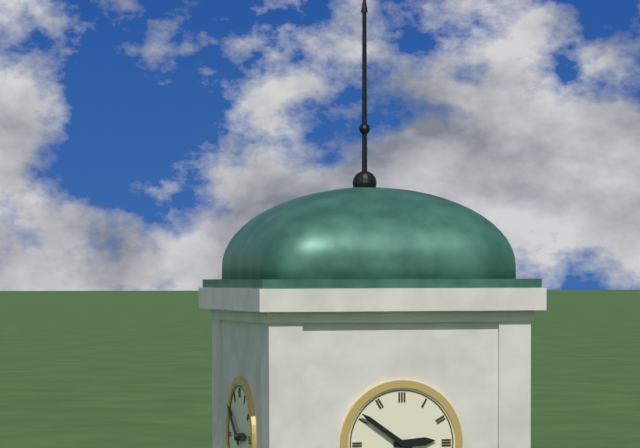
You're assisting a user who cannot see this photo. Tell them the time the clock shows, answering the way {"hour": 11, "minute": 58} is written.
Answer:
{"hour": 2, "minute": 51}
